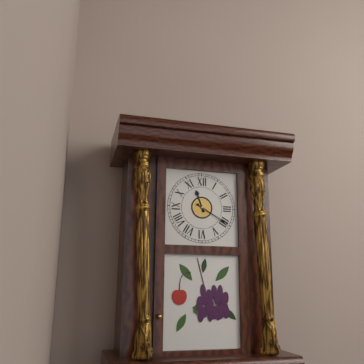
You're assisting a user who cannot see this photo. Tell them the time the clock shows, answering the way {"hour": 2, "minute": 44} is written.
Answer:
{"hour": 11, "minute": 20}
